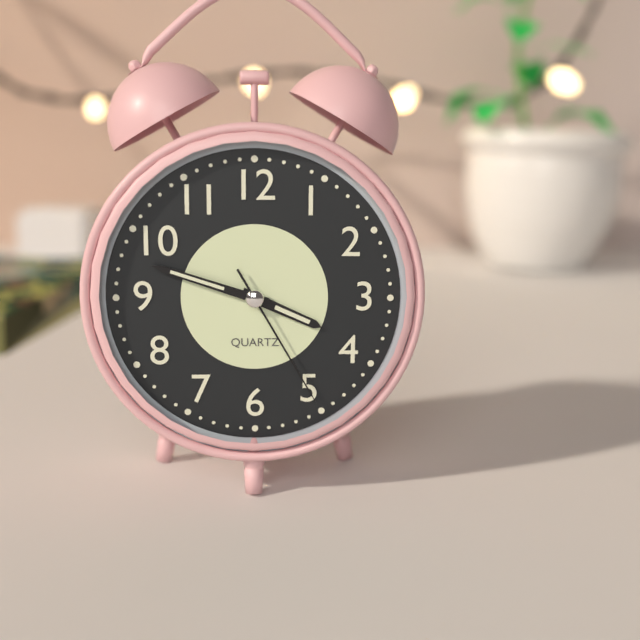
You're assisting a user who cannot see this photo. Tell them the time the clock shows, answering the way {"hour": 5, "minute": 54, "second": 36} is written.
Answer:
{"hour": 3, "minute": 48, "second": 25}
